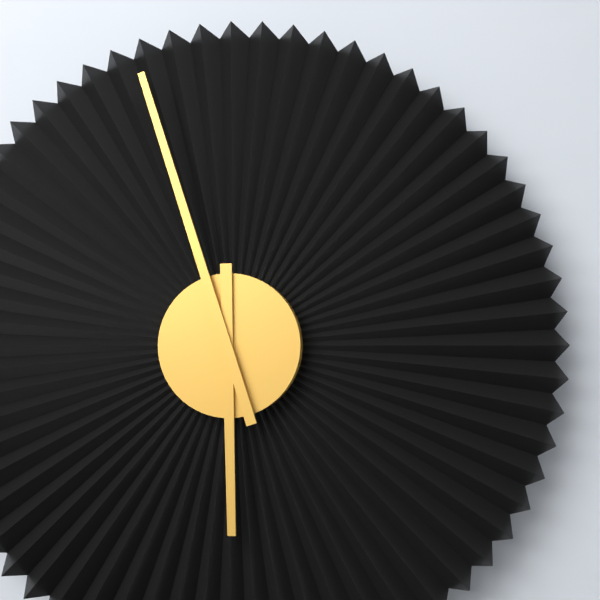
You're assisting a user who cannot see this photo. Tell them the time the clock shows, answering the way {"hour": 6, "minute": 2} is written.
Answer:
{"hour": 5, "minute": 57}
